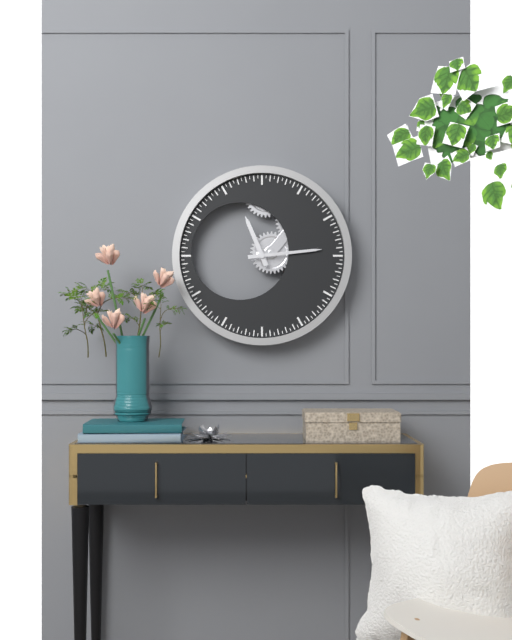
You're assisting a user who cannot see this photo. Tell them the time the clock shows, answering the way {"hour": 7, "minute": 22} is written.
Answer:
{"hour": 11, "minute": 14}
